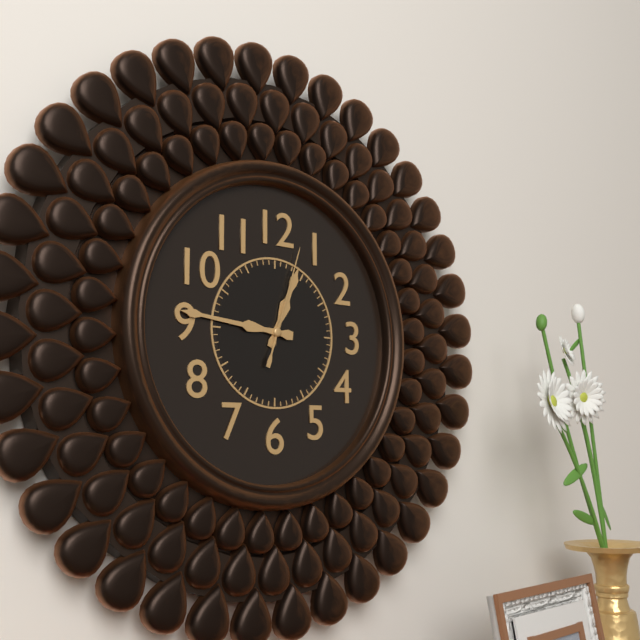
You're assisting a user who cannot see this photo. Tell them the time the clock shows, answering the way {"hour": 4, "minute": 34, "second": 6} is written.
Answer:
{"hour": 12, "minute": 46, "second": 3}
